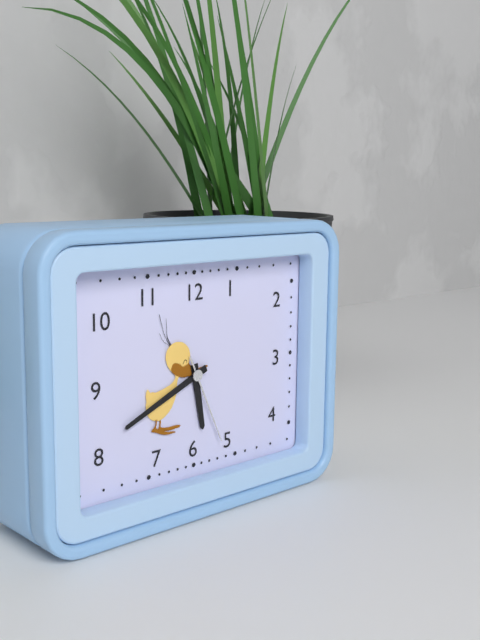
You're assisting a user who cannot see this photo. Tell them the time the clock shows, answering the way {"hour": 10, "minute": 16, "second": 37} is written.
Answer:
{"hour": 5, "minute": 41, "second": 26}
